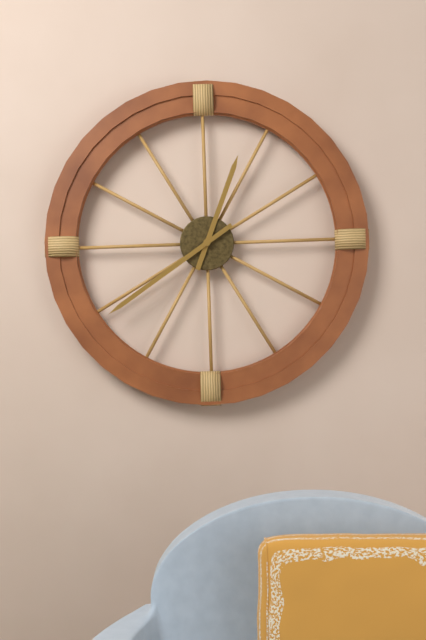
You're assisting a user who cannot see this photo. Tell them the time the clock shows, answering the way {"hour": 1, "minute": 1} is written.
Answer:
{"hour": 12, "minute": 39}
